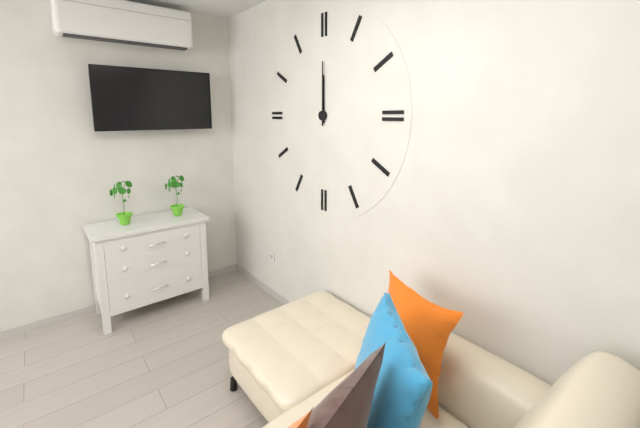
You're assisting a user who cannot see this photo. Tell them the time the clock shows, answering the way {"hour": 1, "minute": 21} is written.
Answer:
{"hour": 12, "minute": 0}
